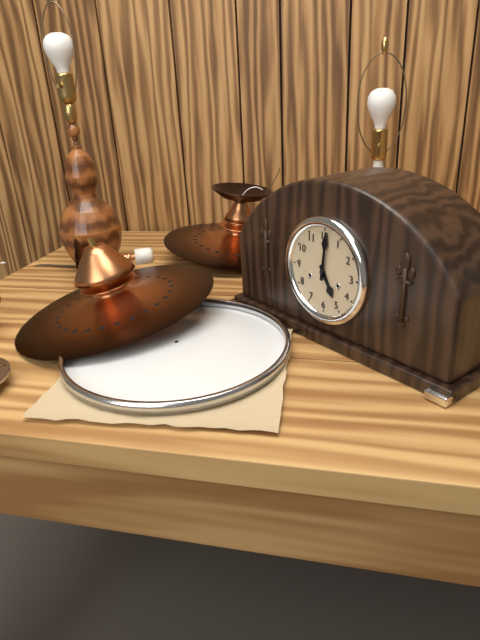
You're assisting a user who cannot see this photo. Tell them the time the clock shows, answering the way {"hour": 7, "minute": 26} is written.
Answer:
{"hour": 5, "minute": 1}
